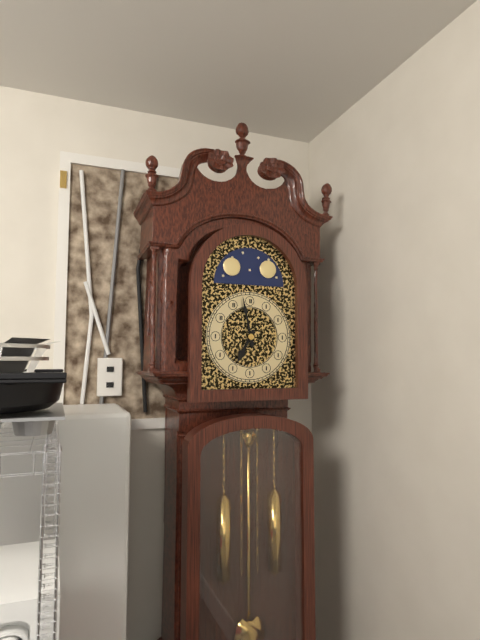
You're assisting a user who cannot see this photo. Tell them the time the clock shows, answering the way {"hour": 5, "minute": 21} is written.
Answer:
{"hour": 6, "minute": 58}
